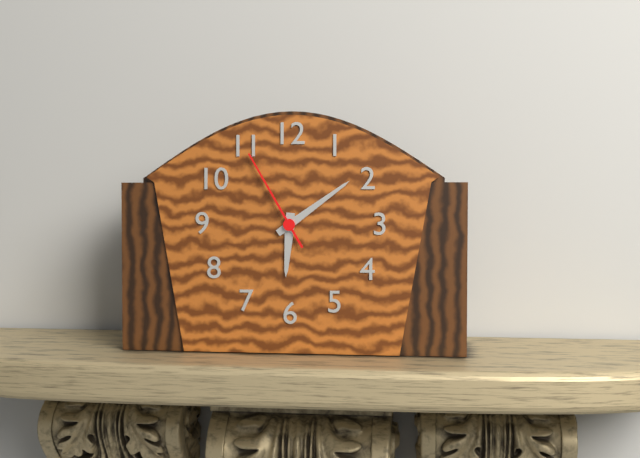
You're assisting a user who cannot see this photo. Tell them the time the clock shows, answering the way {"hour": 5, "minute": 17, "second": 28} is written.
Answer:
{"hour": 6, "minute": 9, "second": 55}
